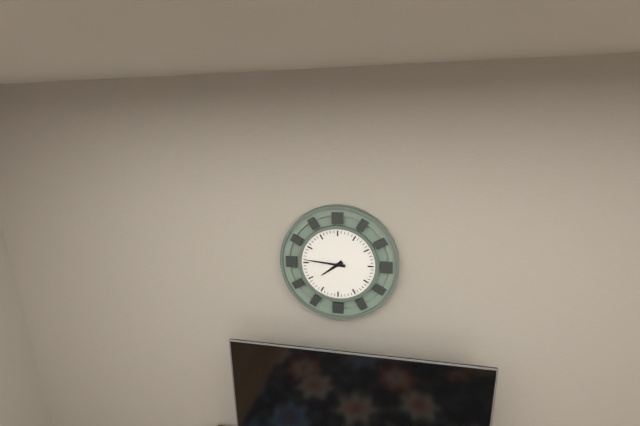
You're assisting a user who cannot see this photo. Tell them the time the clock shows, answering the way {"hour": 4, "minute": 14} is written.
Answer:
{"hour": 7, "minute": 46}
